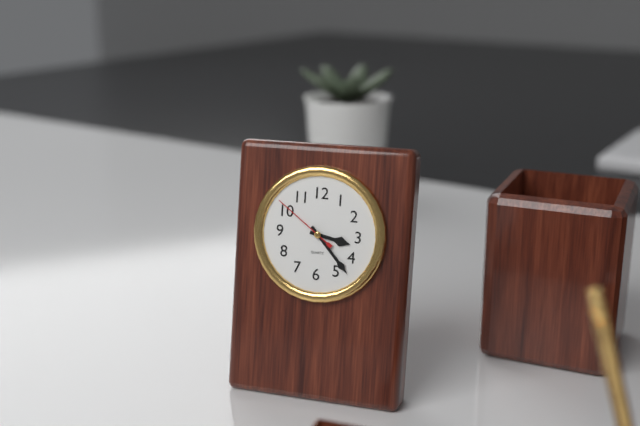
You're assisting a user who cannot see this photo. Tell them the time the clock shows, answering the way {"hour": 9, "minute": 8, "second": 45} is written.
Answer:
{"hour": 3, "minute": 23, "second": 51}
